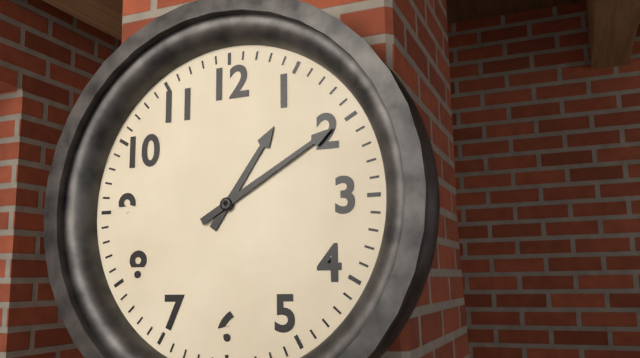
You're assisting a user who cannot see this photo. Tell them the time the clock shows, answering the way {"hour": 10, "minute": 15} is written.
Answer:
{"hour": 1, "minute": 10}
